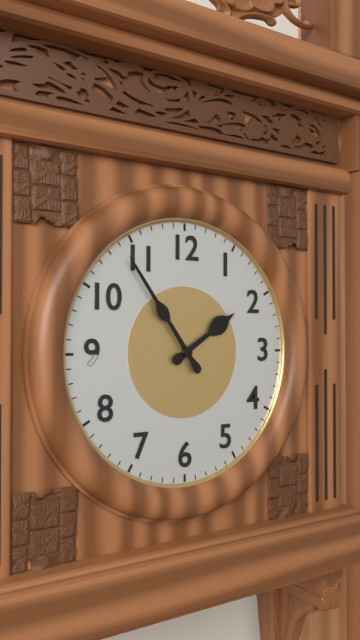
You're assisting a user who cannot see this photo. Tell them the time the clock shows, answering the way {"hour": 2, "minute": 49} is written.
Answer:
{"hour": 1, "minute": 54}
